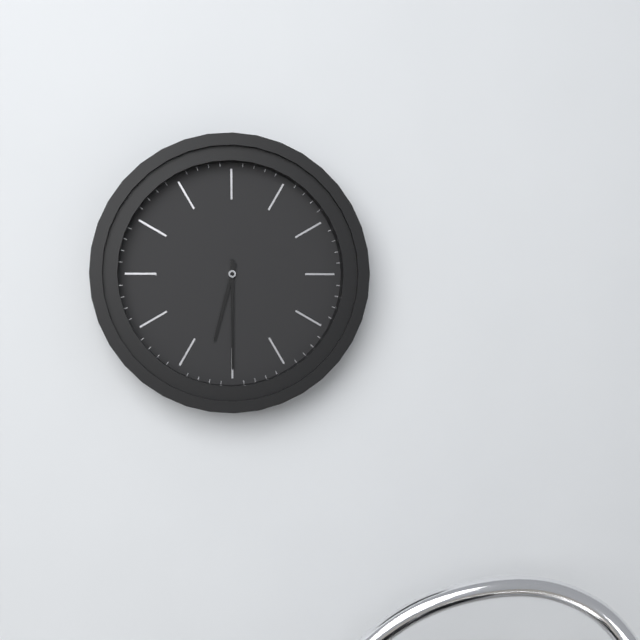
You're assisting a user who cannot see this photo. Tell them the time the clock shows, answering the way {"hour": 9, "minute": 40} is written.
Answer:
{"hour": 6, "minute": 30}
